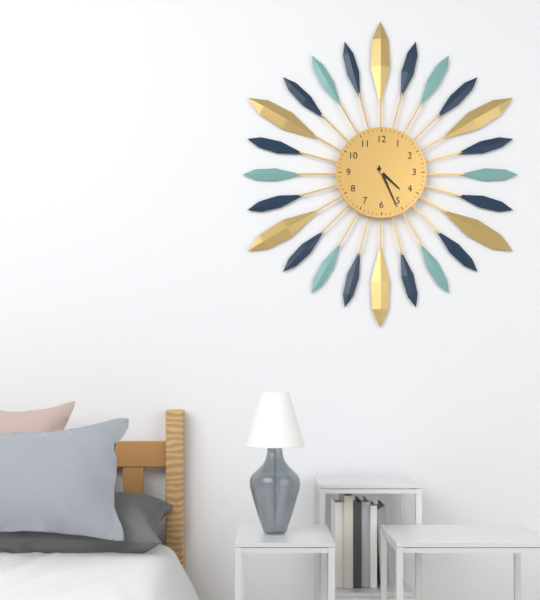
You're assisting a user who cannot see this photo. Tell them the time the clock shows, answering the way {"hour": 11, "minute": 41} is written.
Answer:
{"hour": 4, "minute": 26}
